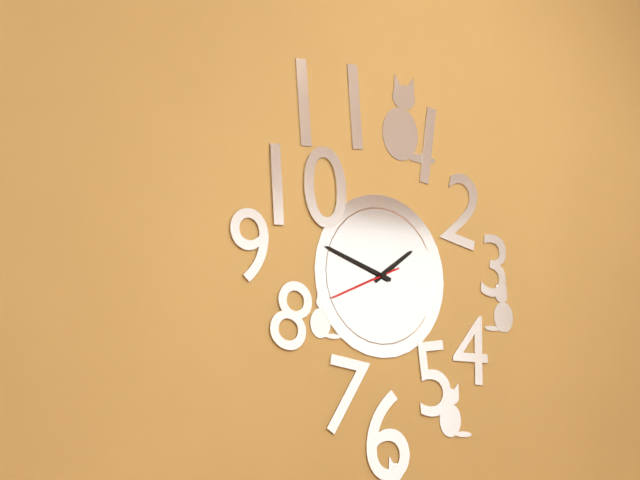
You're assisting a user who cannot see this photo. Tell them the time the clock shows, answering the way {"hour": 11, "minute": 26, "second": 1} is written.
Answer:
{"hour": 1, "minute": 48, "second": 41}
